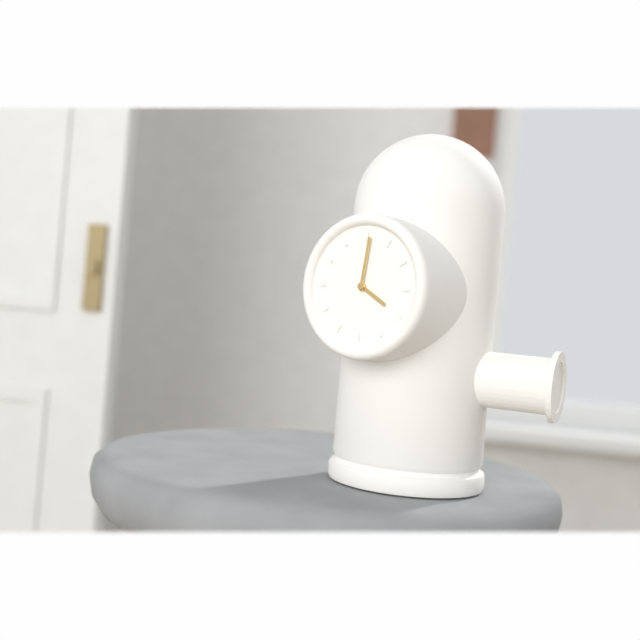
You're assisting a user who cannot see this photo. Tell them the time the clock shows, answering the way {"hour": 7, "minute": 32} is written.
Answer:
{"hour": 4, "minute": 1}
